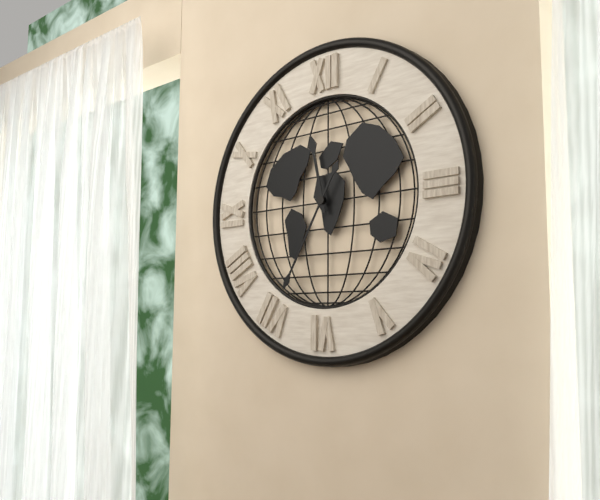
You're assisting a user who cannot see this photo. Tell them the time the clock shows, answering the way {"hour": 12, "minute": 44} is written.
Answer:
{"hour": 11, "minute": 35}
